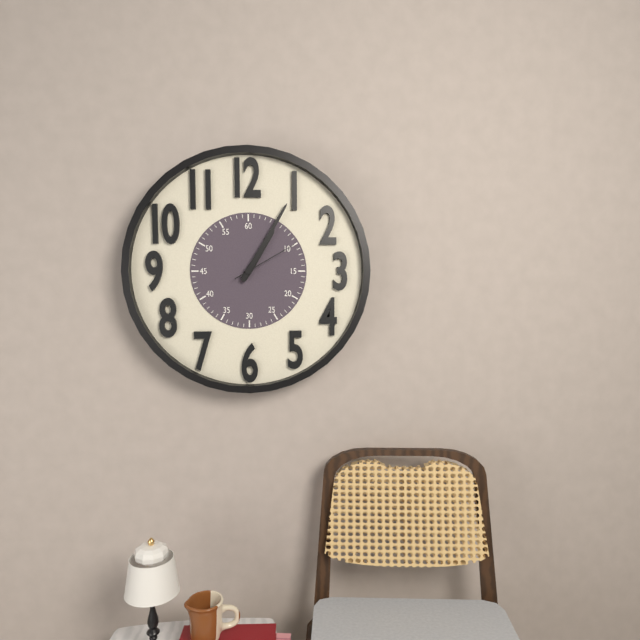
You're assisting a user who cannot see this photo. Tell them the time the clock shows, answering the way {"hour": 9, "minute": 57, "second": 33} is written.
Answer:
{"hour": 1, "minute": 5, "second": 10}
